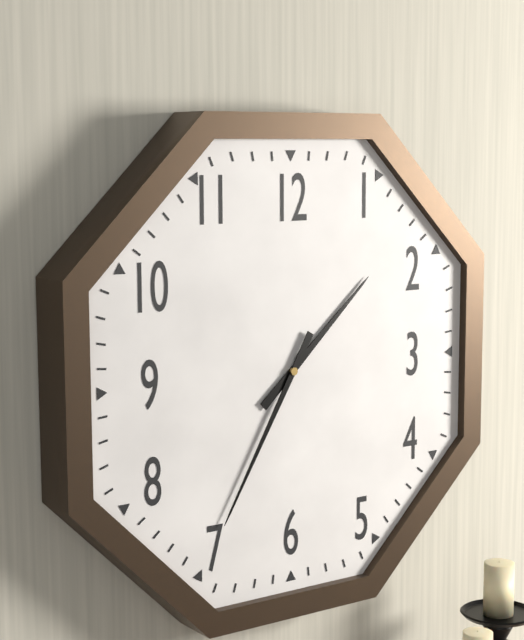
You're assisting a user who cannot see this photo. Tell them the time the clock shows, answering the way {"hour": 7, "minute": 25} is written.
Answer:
{"hour": 1, "minute": 35}
